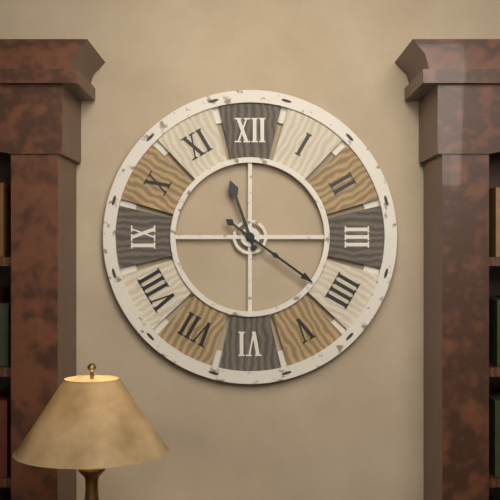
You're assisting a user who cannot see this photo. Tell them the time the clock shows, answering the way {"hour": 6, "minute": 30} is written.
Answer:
{"hour": 11, "minute": 21}
